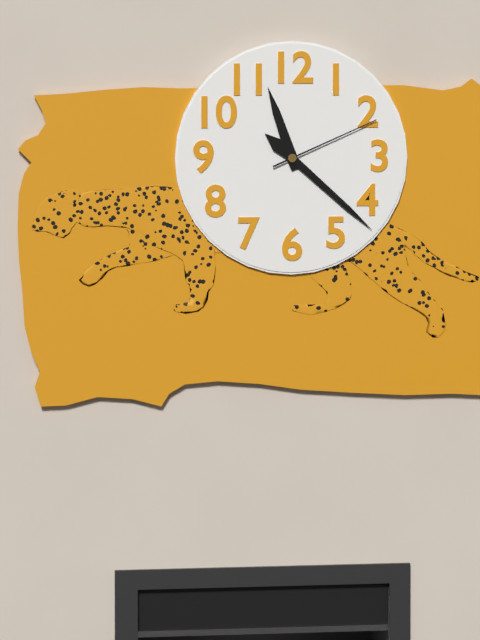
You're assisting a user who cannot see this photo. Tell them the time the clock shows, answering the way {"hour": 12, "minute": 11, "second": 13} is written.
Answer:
{"hour": 11, "minute": 22, "second": 11}
